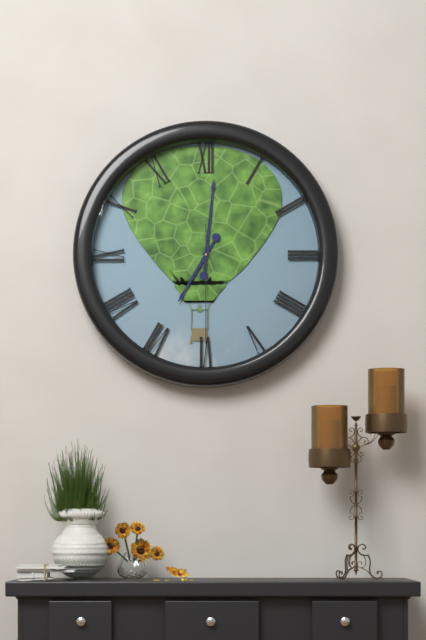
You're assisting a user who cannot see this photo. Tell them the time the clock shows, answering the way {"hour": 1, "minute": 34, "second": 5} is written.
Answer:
{"hour": 7, "minute": 1, "second": 30}
